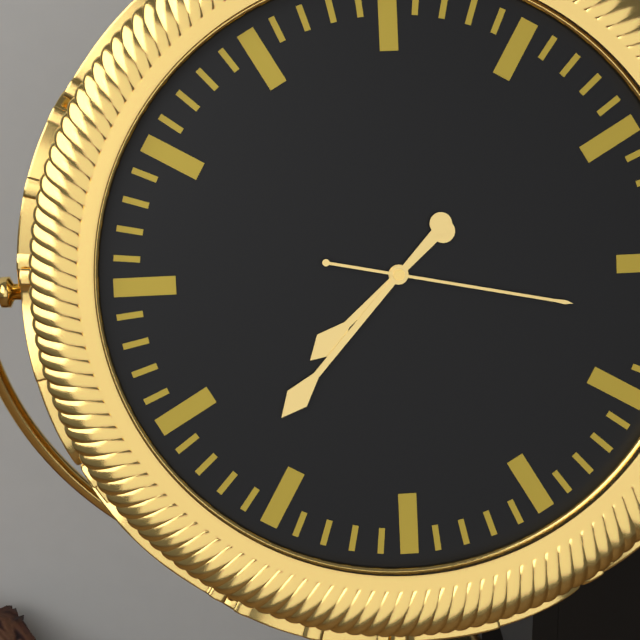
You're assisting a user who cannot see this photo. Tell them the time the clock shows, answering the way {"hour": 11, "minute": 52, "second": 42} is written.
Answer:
{"hour": 7, "minute": 37, "second": 17}
